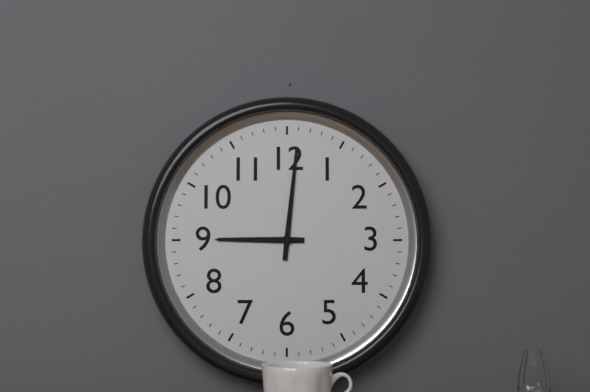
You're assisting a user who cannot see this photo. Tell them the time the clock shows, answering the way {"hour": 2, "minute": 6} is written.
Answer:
{"hour": 9, "minute": 1}
